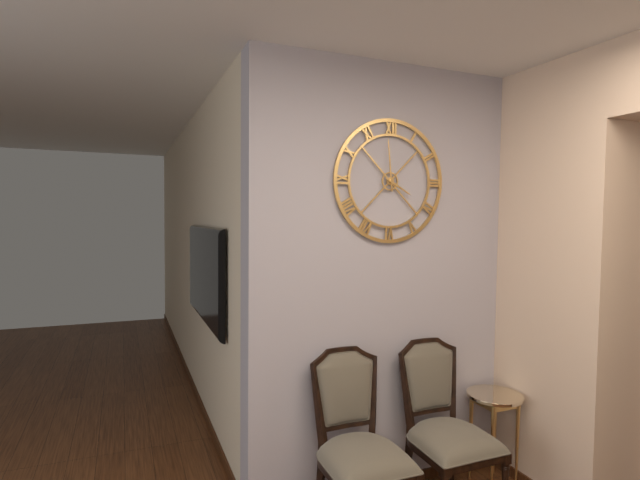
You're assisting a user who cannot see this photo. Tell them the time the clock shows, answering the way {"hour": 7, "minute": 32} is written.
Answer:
{"hour": 3, "minute": 59}
